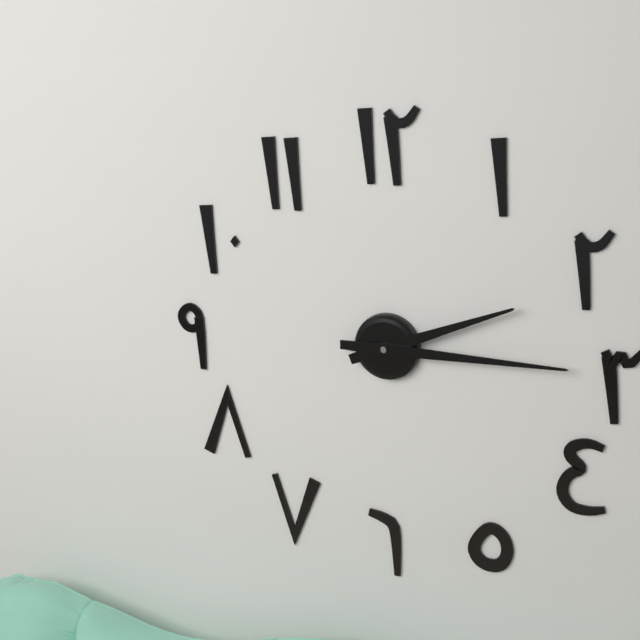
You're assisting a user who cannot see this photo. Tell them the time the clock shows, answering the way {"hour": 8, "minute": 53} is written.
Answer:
{"hour": 2, "minute": 15}
